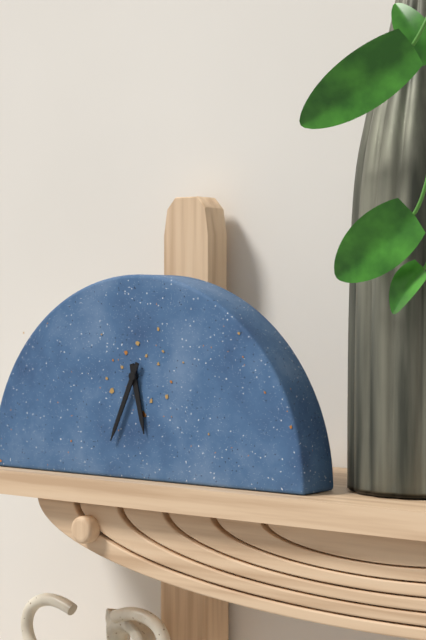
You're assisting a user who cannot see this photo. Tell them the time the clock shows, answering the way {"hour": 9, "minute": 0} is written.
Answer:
{"hour": 5, "minute": 34}
